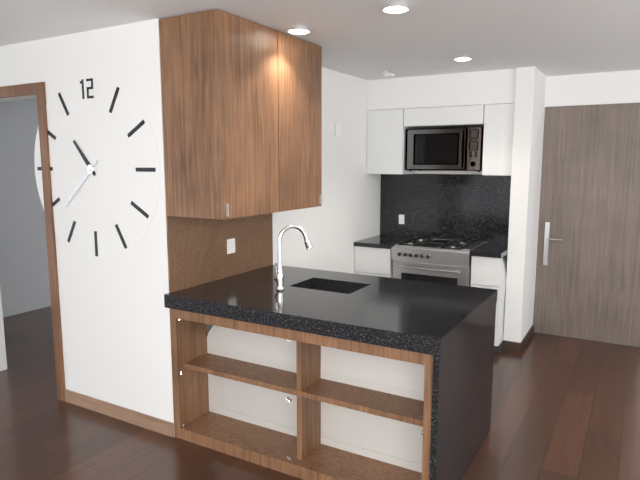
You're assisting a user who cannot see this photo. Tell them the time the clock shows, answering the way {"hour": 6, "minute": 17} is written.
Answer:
{"hour": 10, "minute": 38}
